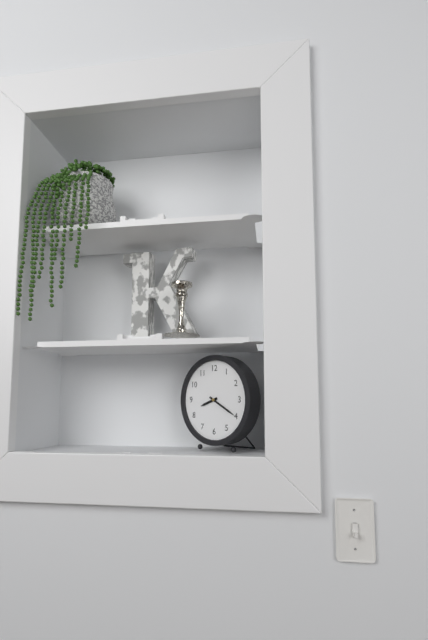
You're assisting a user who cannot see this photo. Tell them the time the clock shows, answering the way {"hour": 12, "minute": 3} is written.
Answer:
{"hour": 8, "minute": 20}
